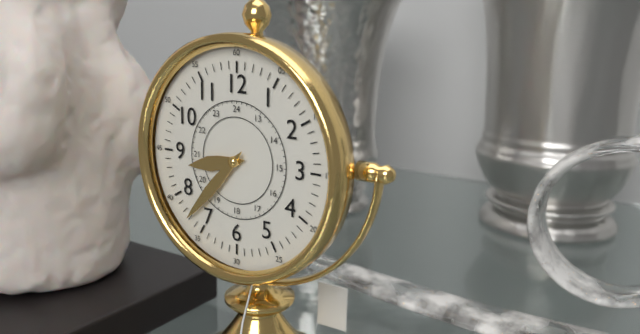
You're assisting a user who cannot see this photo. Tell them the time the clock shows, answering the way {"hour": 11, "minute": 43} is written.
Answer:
{"hour": 8, "minute": 37}
